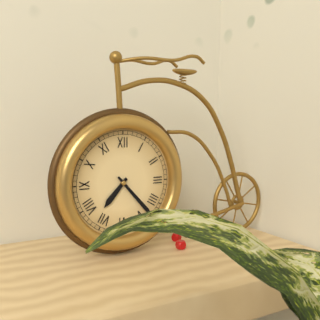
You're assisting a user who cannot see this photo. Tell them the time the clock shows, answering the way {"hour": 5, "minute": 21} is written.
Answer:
{"hour": 7, "minute": 23}
